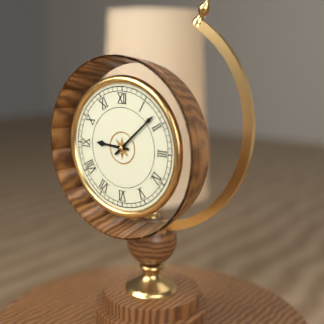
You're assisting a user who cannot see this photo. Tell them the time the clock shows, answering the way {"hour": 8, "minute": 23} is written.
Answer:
{"hour": 9, "minute": 8}
